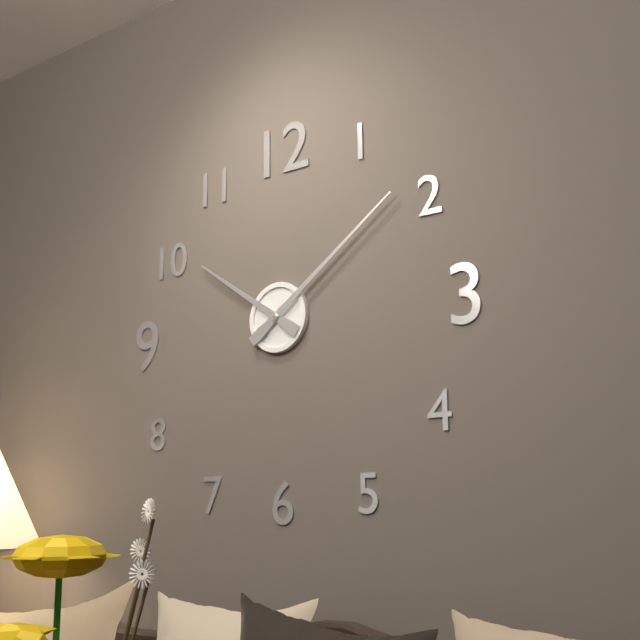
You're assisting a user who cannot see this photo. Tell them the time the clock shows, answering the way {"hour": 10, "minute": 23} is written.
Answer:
{"hour": 10, "minute": 9}
